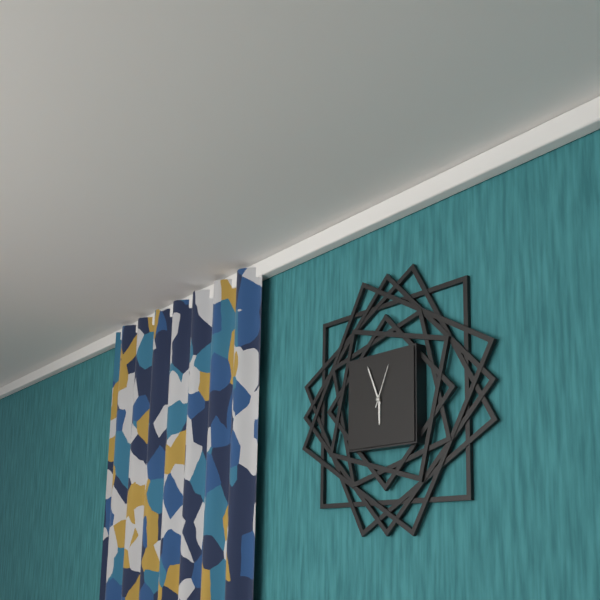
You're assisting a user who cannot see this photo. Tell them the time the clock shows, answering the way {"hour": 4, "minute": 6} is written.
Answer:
{"hour": 5, "minute": 56}
